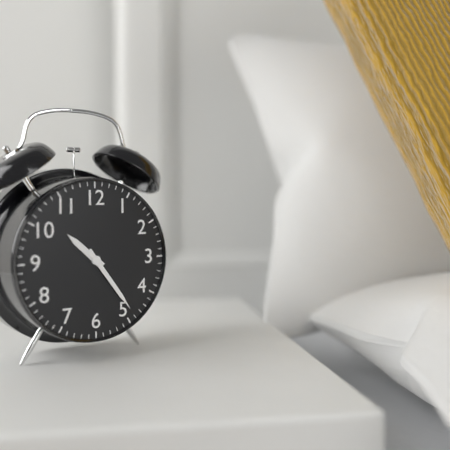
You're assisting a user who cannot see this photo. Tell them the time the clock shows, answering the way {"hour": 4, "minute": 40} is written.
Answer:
{"hour": 10, "minute": 24}
